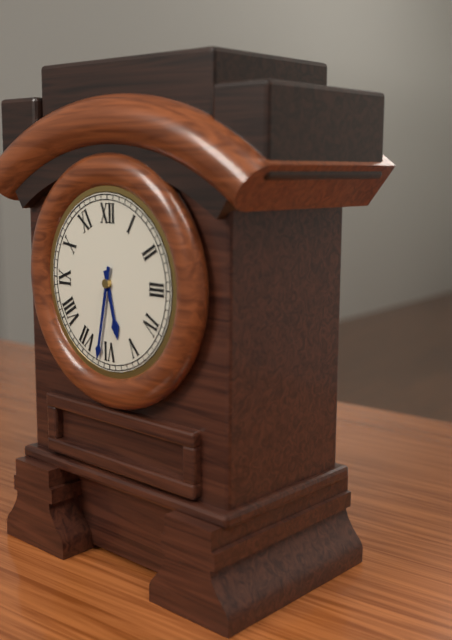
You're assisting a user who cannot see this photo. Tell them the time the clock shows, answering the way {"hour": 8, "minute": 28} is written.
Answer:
{"hour": 5, "minute": 32}
